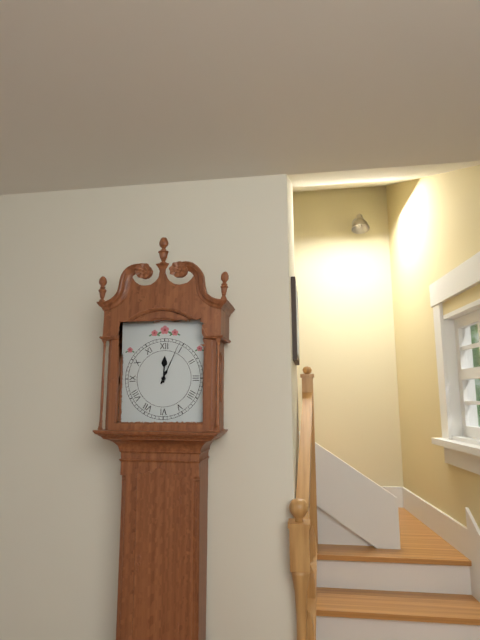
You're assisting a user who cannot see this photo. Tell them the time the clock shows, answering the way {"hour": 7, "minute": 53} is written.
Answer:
{"hour": 12, "minute": 4}
